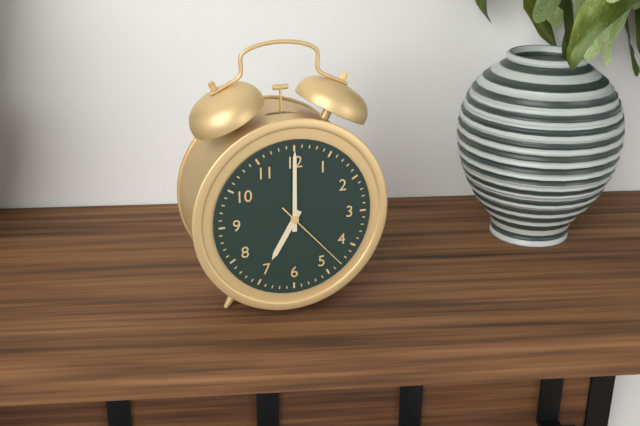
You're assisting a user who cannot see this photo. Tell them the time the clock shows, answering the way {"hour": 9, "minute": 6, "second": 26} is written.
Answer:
{"hour": 7, "minute": 0, "second": 23}
